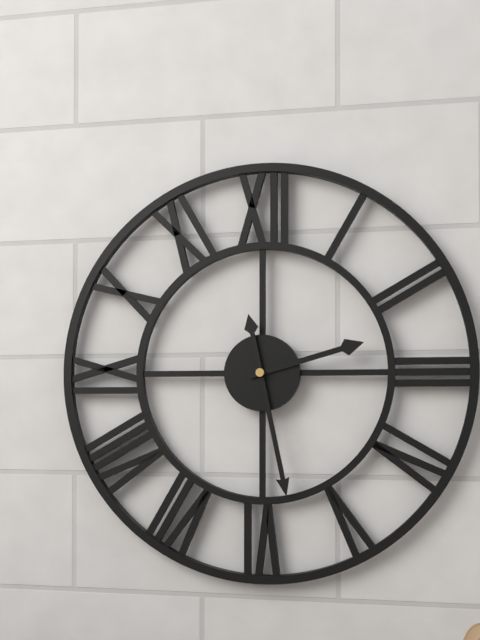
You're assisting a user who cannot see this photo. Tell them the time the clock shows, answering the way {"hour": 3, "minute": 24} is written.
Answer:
{"hour": 2, "minute": 28}
